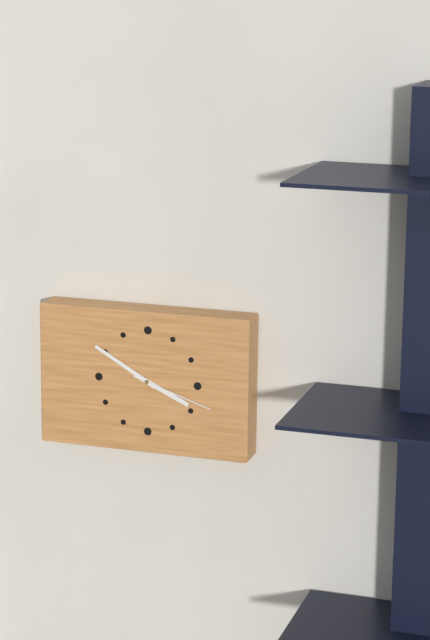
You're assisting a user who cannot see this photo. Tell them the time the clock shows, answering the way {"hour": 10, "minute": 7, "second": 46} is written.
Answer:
{"hour": 3, "minute": 50, "second": 18}
